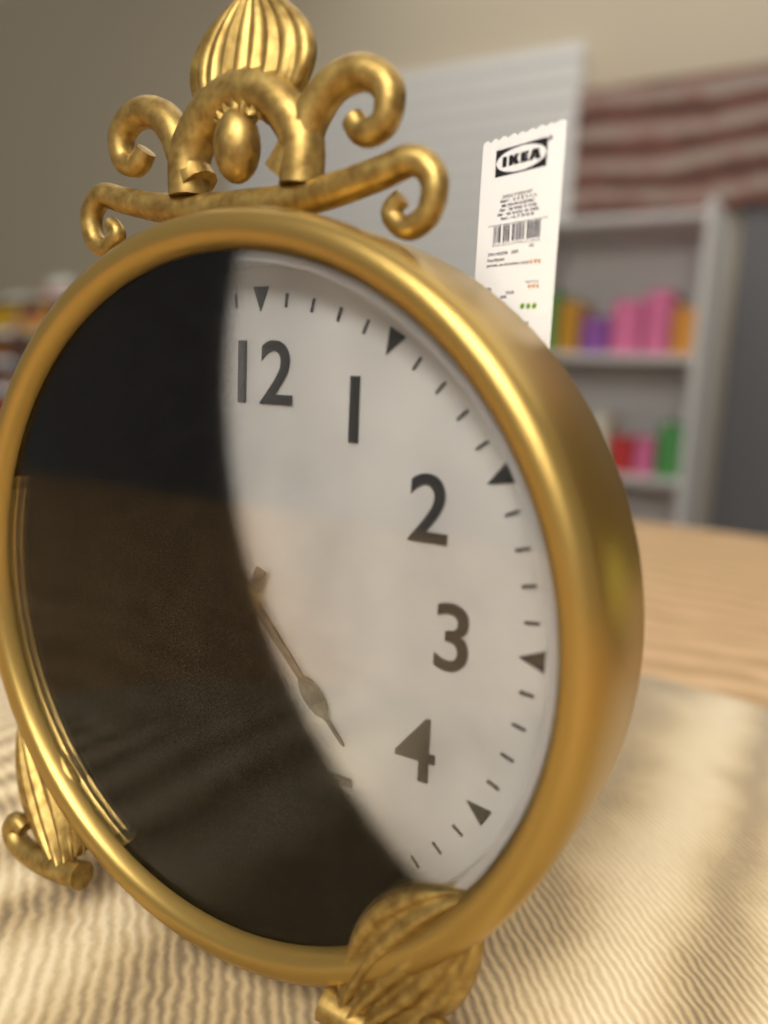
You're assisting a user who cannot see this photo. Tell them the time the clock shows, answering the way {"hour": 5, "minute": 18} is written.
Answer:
{"hour": 4, "minute": 34}
